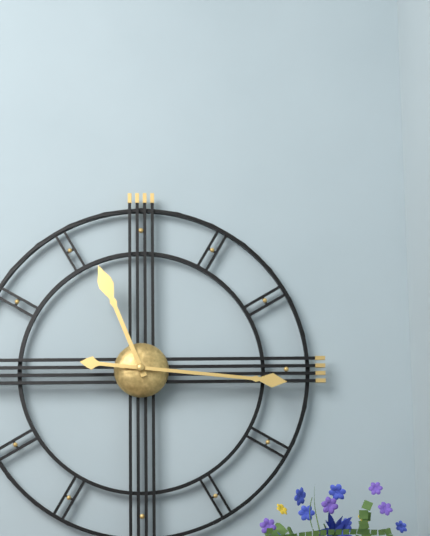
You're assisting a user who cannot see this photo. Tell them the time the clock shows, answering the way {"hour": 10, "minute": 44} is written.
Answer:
{"hour": 11, "minute": 16}
